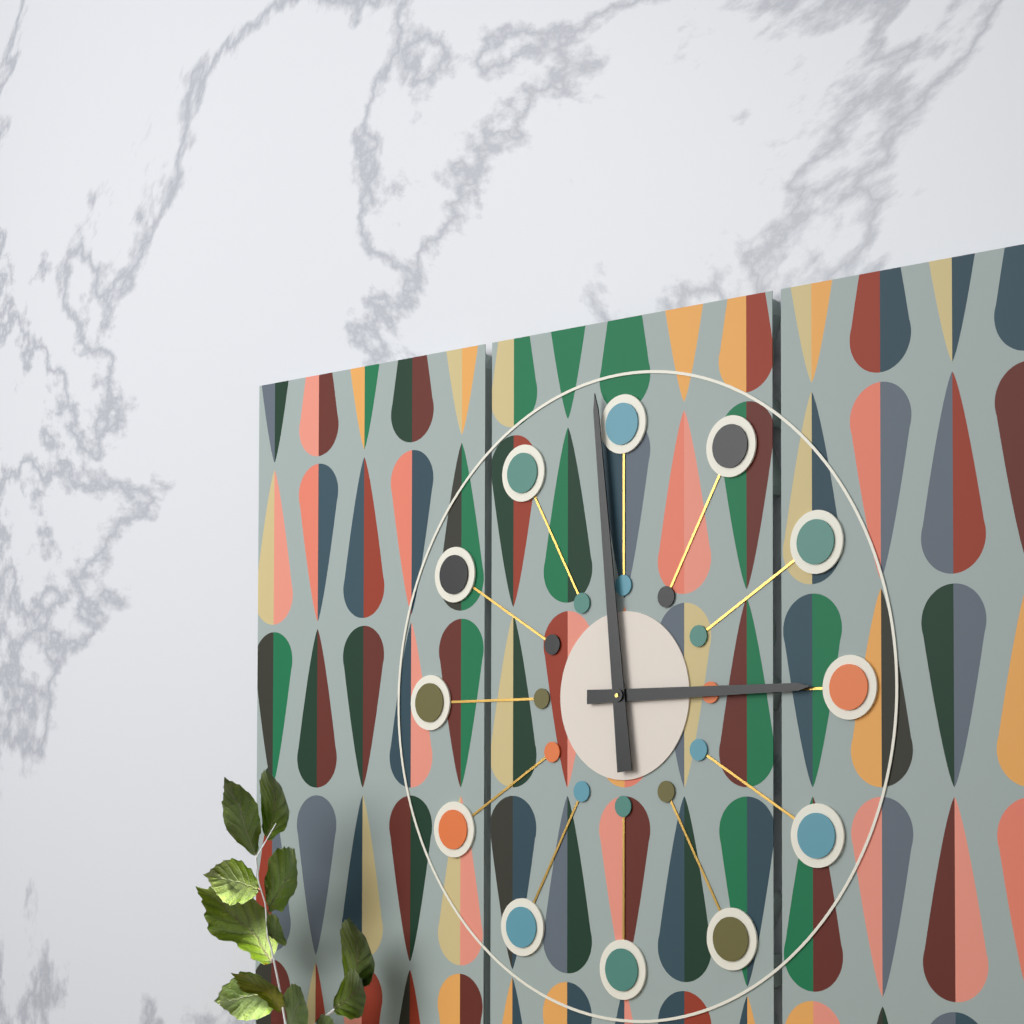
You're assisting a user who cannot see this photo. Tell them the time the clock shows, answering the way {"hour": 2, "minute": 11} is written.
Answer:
{"hour": 2, "minute": 59}
